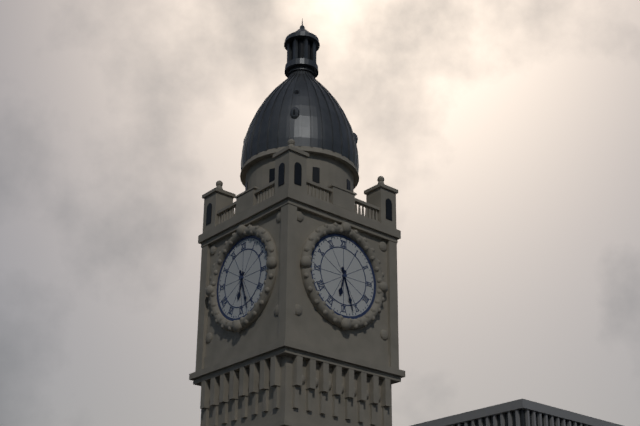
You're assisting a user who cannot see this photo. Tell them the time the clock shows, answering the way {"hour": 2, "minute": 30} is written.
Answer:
{"hour": 6, "minute": 27}
